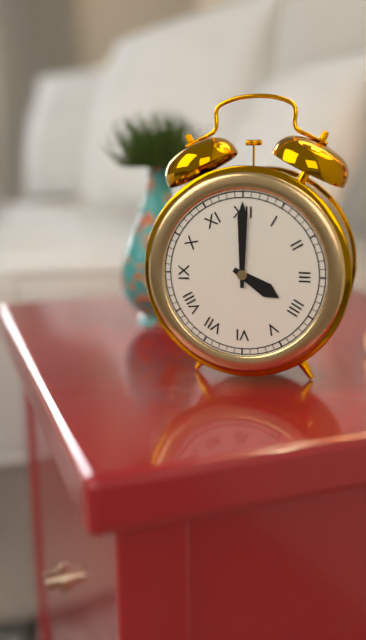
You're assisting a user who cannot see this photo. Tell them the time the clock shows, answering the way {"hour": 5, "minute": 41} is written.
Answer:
{"hour": 4, "minute": 0}
